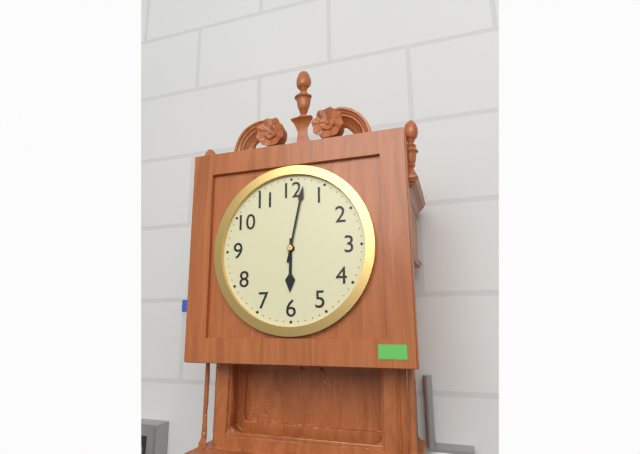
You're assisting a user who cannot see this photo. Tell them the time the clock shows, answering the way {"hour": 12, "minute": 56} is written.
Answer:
{"hour": 6, "minute": 2}
